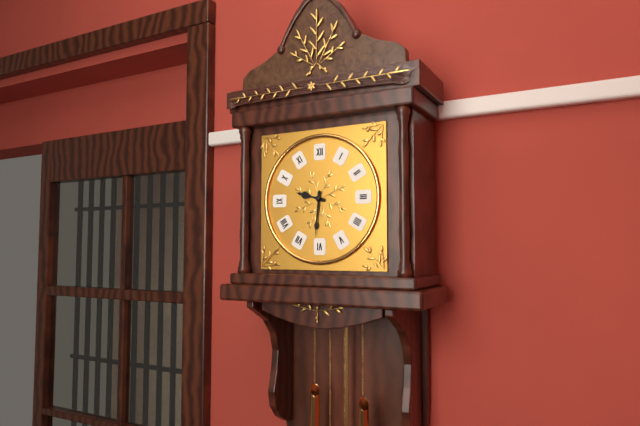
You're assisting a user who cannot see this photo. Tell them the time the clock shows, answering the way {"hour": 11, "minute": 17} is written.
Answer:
{"hour": 9, "minute": 31}
